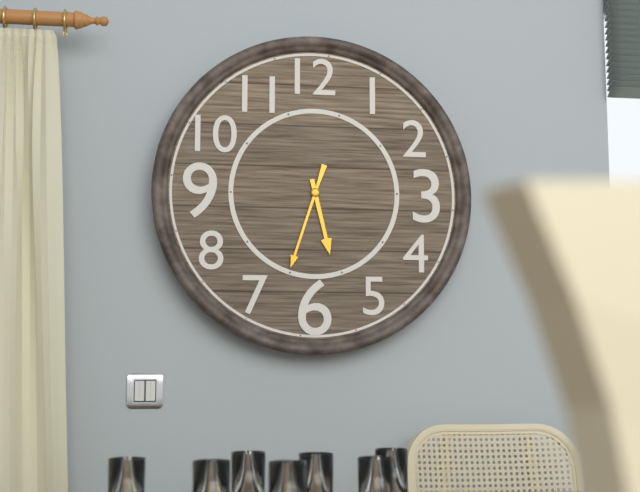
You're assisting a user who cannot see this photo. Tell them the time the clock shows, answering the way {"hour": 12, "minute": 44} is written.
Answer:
{"hour": 5, "minute": 33}
